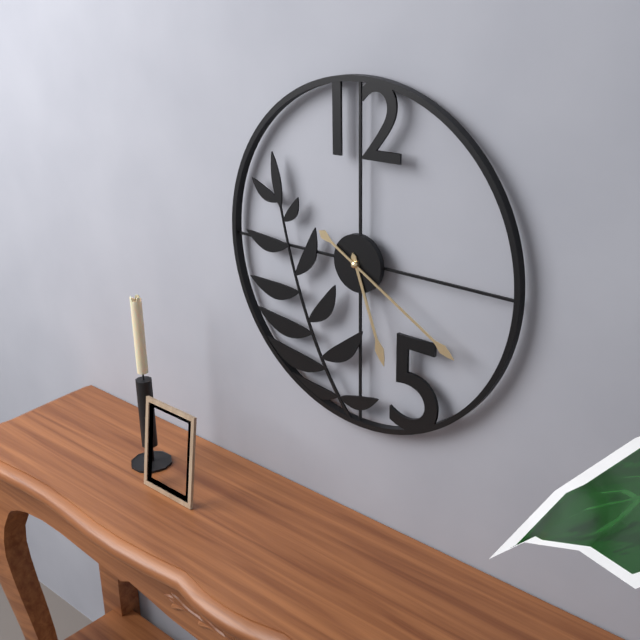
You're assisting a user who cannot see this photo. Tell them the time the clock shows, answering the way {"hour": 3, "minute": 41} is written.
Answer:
{"hour": 5, "minute": 20}
